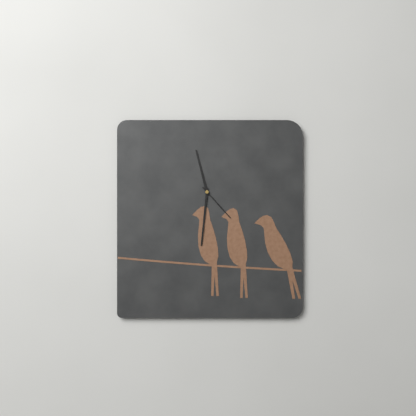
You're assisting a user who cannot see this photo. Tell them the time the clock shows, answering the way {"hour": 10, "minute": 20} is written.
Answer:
{"hour": 11, "minute": 31}
